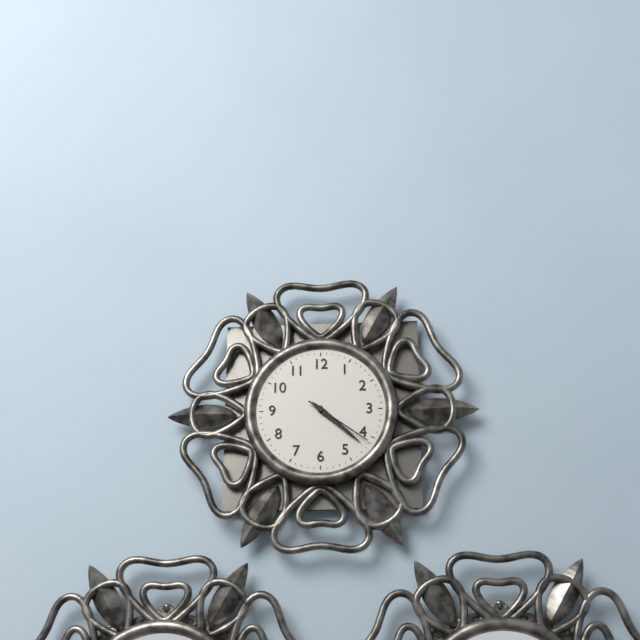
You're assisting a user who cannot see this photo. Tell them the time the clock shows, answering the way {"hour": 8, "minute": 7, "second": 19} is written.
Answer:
{"hour": 4, "minute": 22, "second": 21}
